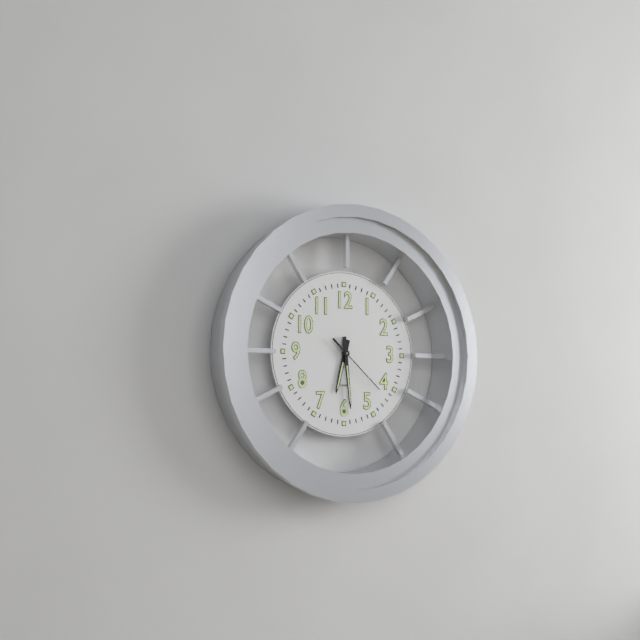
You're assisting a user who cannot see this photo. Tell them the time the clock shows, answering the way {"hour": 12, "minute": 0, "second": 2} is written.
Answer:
{"hour": 6, "minute": 29, "second": 22}
